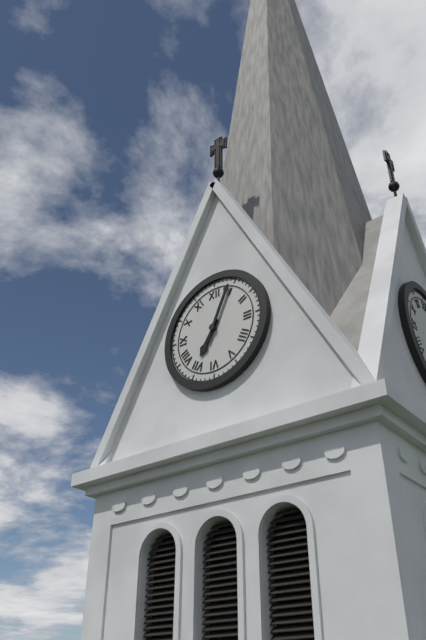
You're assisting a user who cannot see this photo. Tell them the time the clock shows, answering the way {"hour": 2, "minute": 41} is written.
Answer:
{"hour": 7, "minute": 4}
